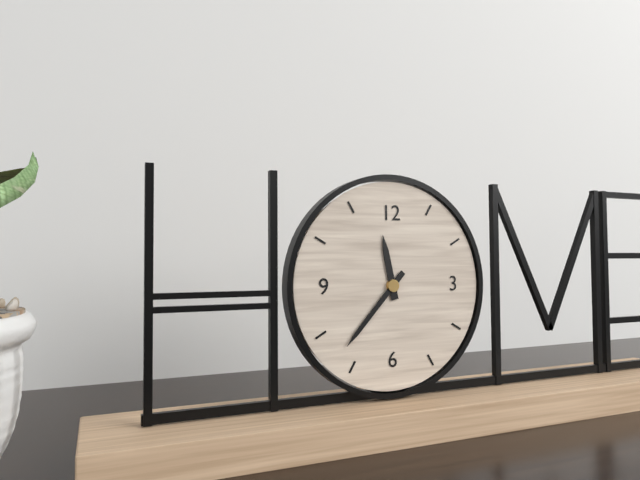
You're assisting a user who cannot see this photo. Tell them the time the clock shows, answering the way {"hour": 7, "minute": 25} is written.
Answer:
{"hour": 11, "minute": 37}
